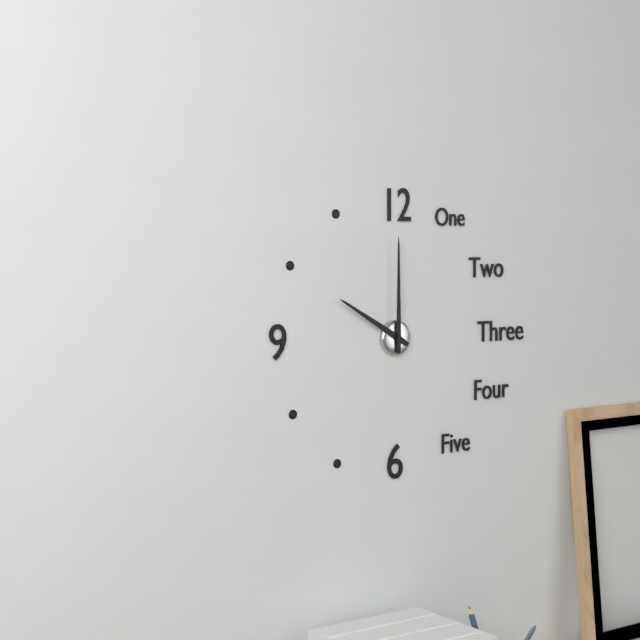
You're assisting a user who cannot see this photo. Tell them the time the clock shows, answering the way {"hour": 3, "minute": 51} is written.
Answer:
{"hour": 10, "minute": 0}
